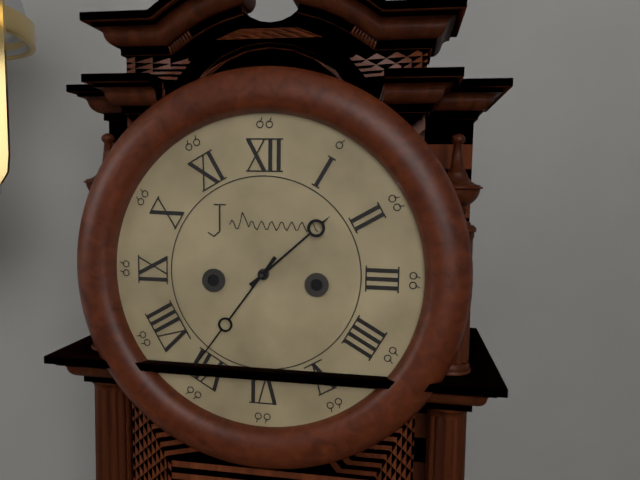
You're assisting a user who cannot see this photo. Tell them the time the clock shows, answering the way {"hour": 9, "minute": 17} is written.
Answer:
{"hour": 1, "minute": 36}
